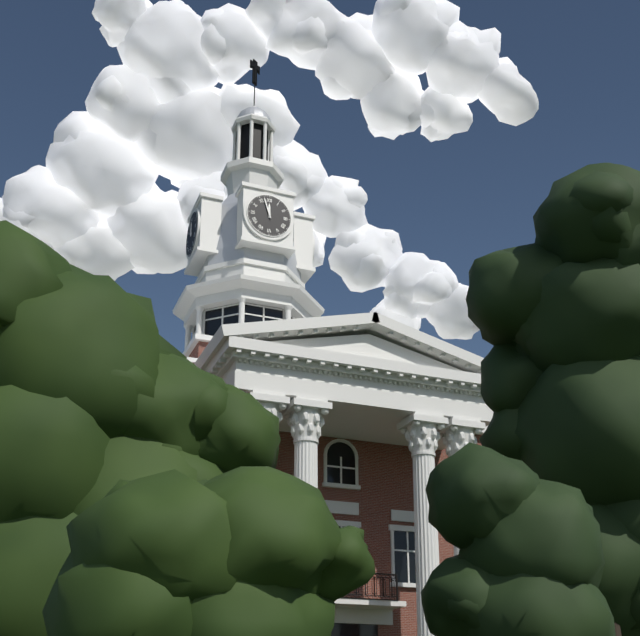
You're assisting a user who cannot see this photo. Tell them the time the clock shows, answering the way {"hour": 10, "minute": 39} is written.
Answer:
{"hour": 11, "minute": 57}
